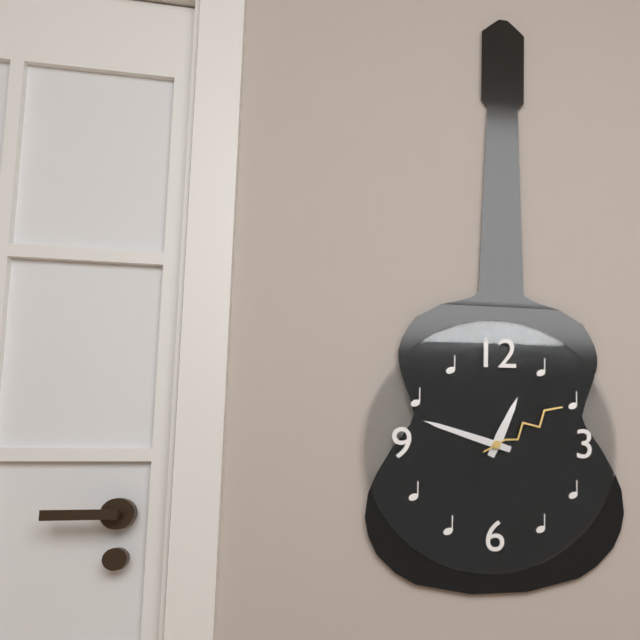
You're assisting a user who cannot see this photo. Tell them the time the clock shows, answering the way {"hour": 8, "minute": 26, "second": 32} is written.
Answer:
{"hour": 12, "minute": 48, "second": 10}
